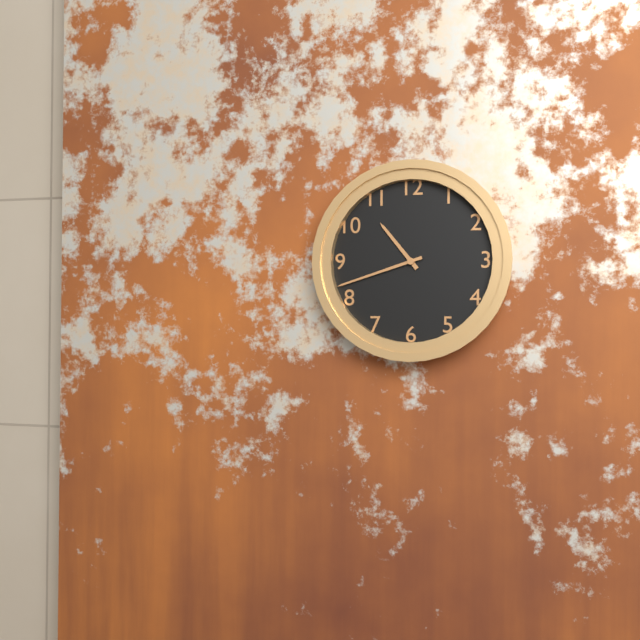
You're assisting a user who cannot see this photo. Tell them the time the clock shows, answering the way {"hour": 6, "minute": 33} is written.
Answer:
{"hour": 10, "minute": 42}
